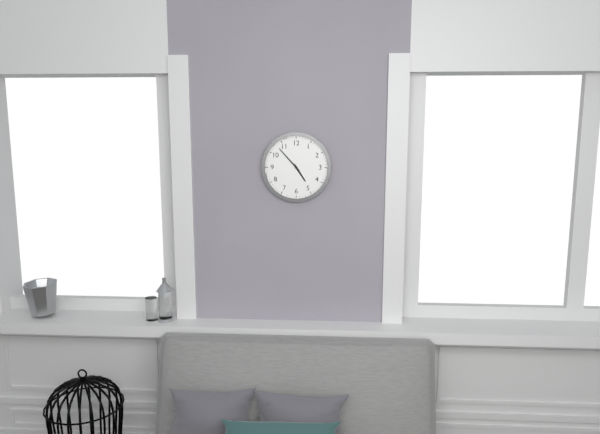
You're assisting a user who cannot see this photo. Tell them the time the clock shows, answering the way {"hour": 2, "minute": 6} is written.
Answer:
{"hour": 4, "minute": 53}
